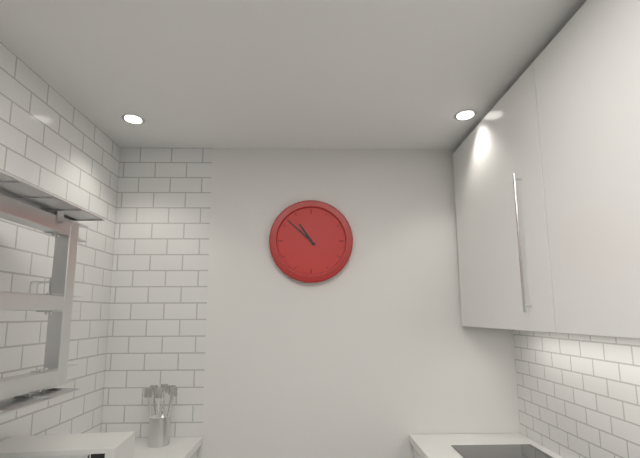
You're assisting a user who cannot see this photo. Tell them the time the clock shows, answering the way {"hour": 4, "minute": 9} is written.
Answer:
{"hour": 10, "minute": 52}
